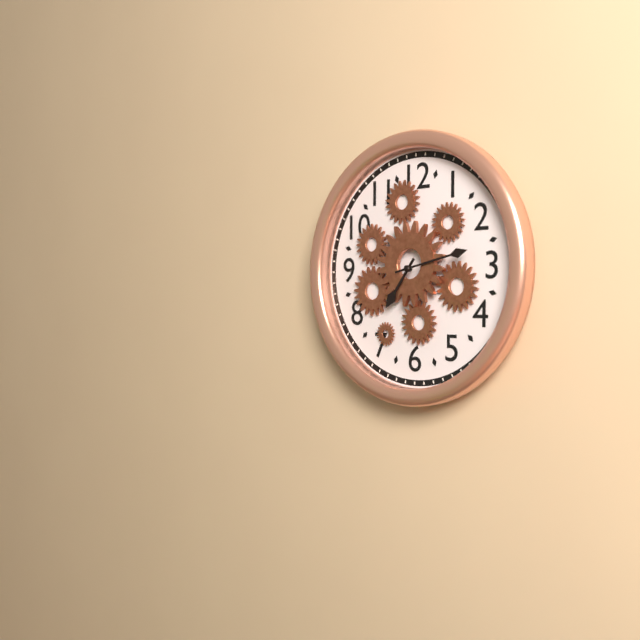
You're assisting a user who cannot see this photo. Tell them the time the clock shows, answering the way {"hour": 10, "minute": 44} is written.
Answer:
{"hour": 7, "minute": 13}
